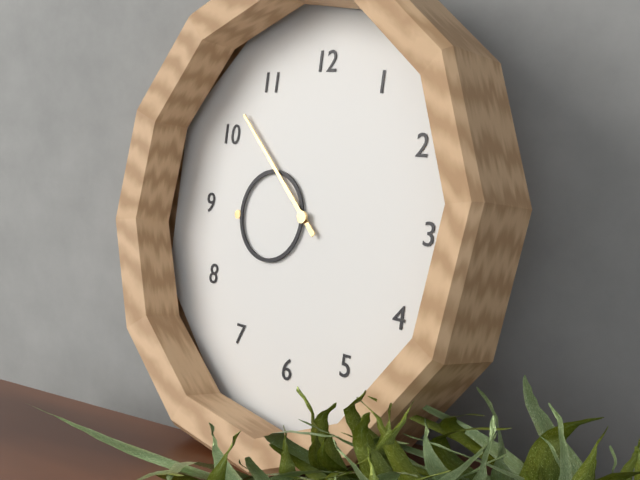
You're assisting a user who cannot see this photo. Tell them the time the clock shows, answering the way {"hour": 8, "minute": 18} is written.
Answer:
{"hour": 8, "minute": 52}
